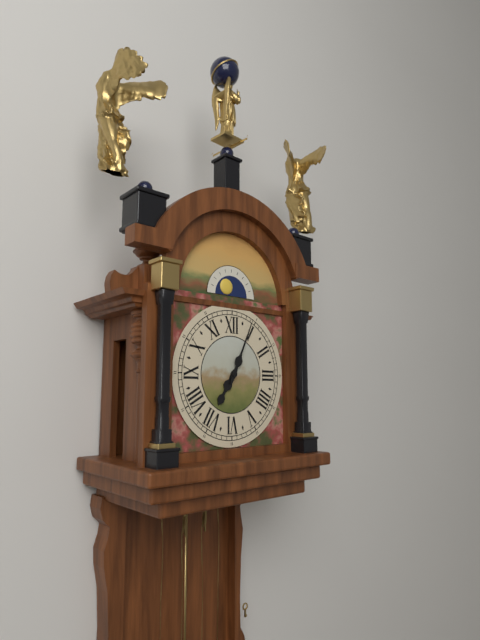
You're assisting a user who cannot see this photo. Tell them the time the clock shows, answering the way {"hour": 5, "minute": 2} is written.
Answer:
{"hour": 7, "minute": 4}
